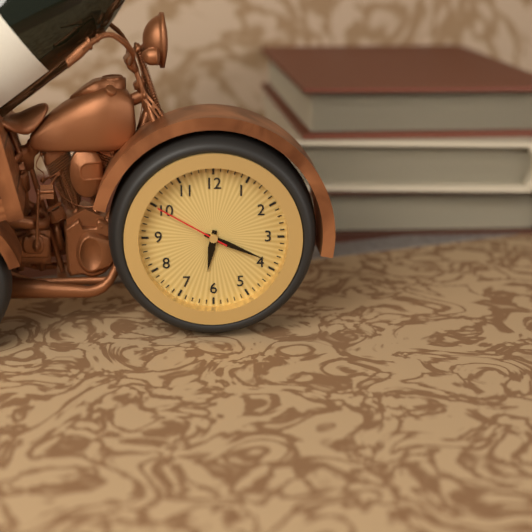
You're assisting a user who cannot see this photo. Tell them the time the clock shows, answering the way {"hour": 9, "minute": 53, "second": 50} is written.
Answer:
{"hour": 6, "minute": 19, "second": 50}
